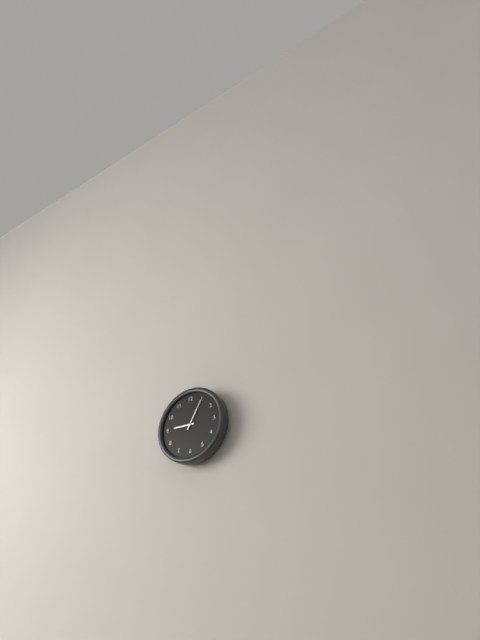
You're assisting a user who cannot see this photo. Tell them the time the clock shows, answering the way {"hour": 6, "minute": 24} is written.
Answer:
{"hour": 9, "minute": 5}
